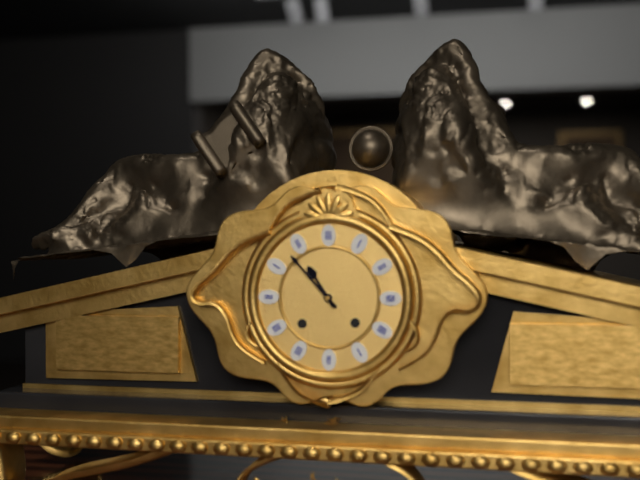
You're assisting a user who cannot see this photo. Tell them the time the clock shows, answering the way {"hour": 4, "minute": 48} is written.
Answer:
{"hour": 10, "minute": 53}
